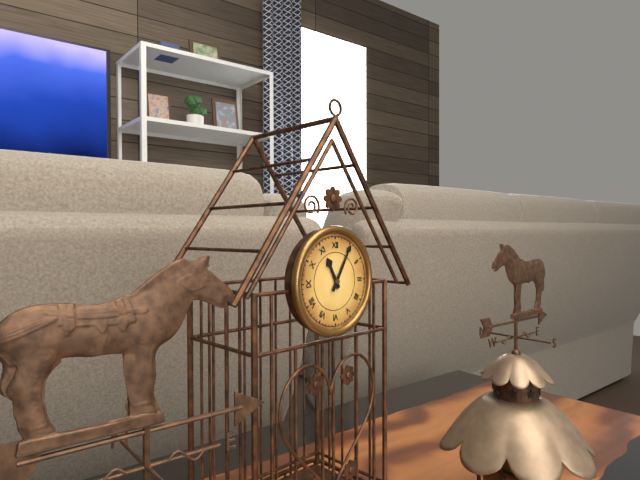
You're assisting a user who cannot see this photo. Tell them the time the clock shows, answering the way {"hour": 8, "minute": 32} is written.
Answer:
{"hour": 11, "minute": 5}
